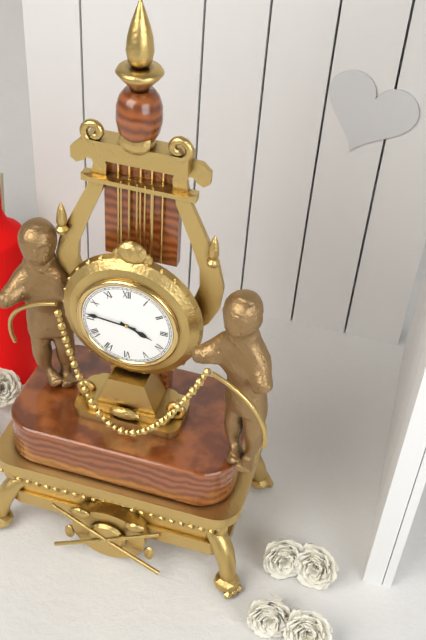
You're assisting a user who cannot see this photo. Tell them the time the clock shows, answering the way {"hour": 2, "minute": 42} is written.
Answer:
{"hour": 3, "minute": 46}
